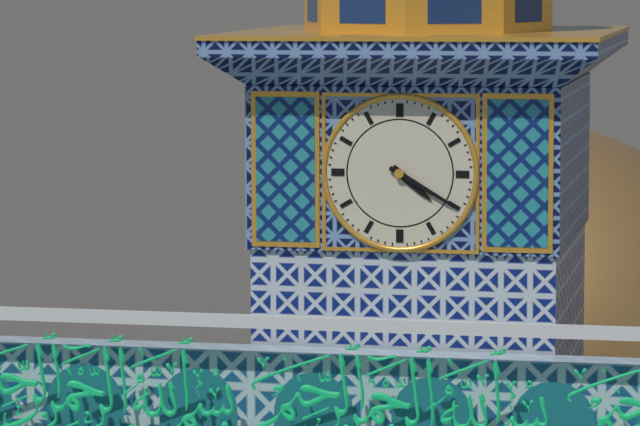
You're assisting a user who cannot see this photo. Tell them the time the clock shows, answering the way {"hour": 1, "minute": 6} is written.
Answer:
{"hour": 4, "minute": 20}
